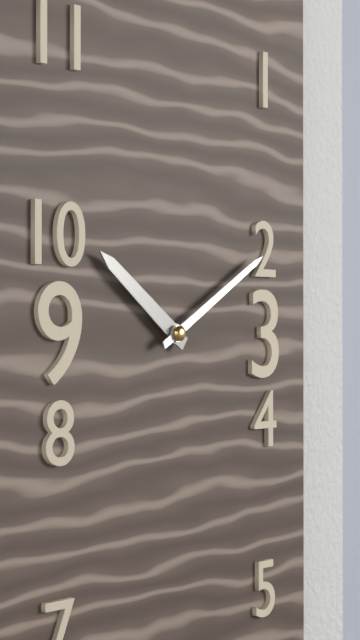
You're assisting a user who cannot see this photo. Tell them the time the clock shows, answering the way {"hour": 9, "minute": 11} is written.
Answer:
{"hour": 10, "minute": 10}
